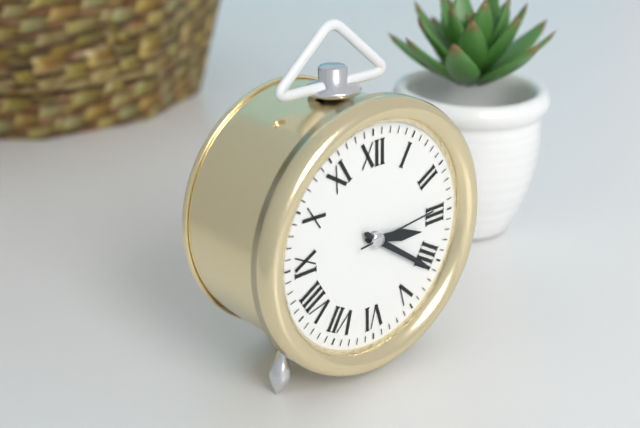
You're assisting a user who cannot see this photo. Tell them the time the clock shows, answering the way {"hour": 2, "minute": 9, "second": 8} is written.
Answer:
{"hour": 3, "minute": 21, "second": 14}
